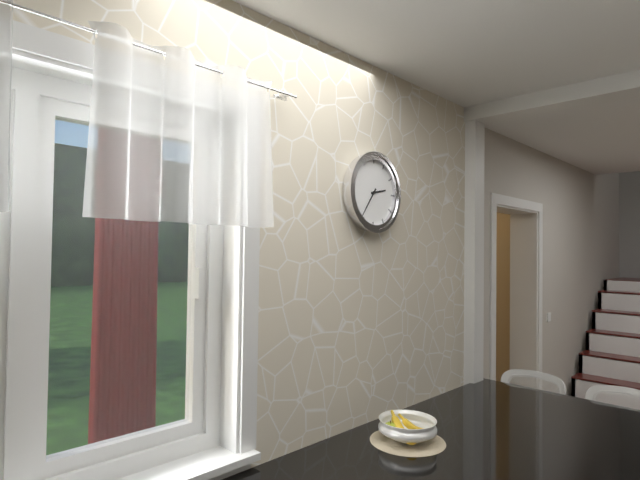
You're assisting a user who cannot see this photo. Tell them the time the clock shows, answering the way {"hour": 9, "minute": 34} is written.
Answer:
{"hour": 2, "minute": 36}
